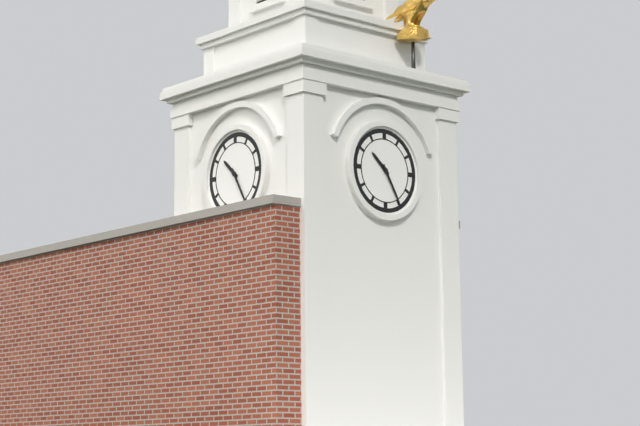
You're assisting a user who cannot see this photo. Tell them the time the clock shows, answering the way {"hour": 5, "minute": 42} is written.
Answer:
{"hour": 10, "minute": 25}
